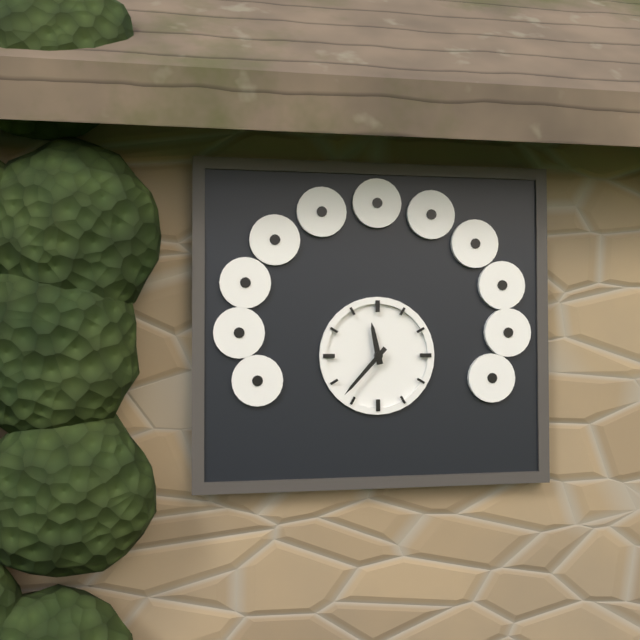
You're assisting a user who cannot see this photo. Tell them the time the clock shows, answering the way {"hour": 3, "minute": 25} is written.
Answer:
{"hour": 11, "minute": 37}
